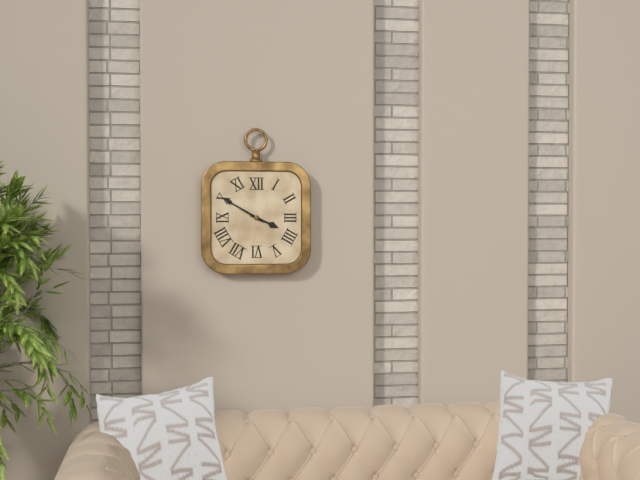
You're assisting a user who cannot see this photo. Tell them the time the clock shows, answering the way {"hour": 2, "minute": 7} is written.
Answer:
{"hour": 3, "minute": 50}
